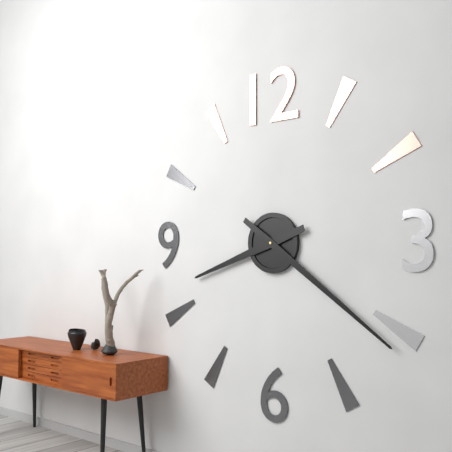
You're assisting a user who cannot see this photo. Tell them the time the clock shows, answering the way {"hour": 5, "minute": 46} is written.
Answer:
{"hour": 8, "minute": 21}
